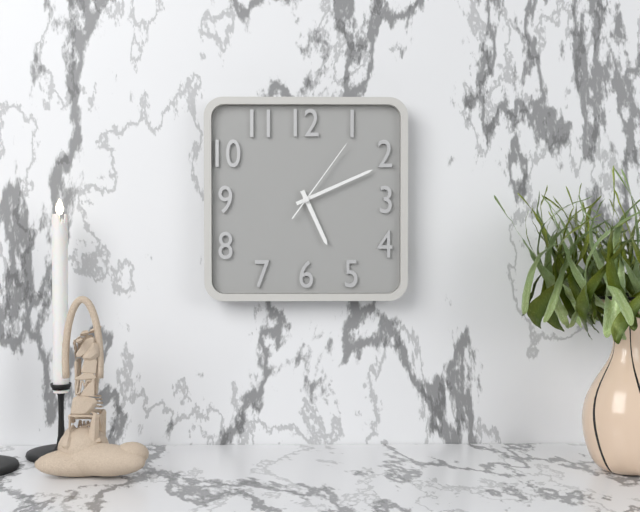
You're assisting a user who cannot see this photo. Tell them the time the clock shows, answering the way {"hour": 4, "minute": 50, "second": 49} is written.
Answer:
{"hour": 5, "minute": 11, "second": 6}
